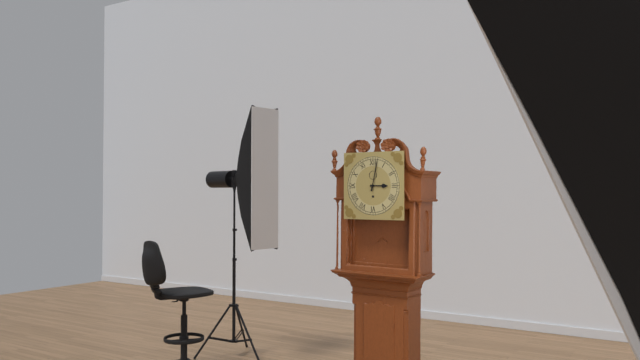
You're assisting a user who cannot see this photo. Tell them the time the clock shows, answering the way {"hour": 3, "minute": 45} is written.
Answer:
{"hour": 3, "minute": 2}
